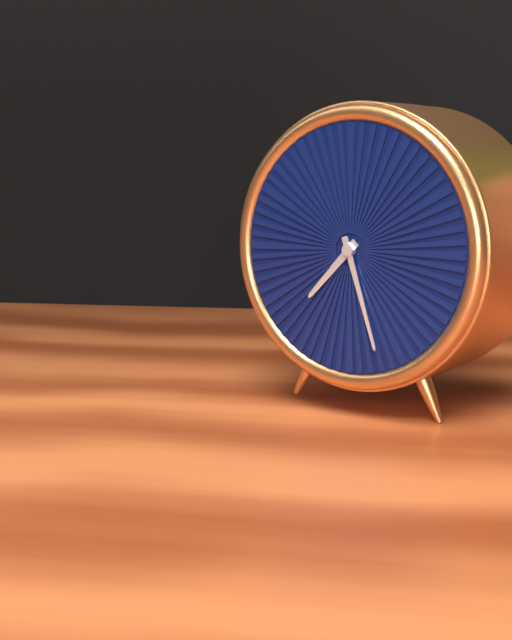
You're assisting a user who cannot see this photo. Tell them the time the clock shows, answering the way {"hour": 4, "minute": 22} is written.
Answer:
{"hour": 7, "minute": 27}
